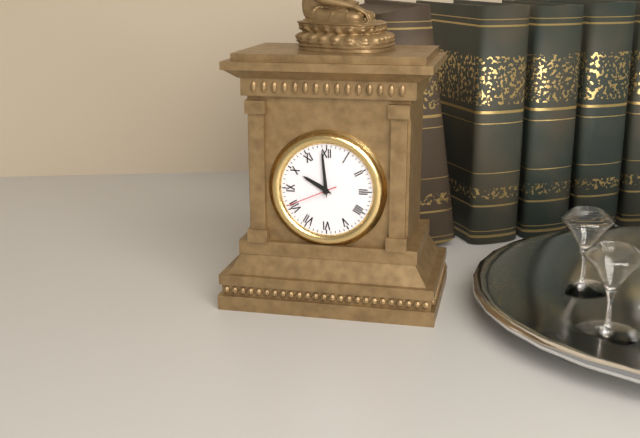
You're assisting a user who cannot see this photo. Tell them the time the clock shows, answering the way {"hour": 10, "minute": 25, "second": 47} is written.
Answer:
{"hour": 9, "minute": 59, "second": 41}
